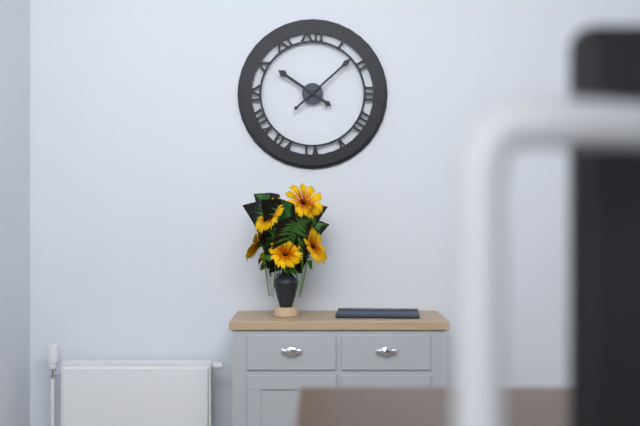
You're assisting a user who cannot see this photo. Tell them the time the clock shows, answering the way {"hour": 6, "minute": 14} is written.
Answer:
{"hour": 10, "minute": 8}
